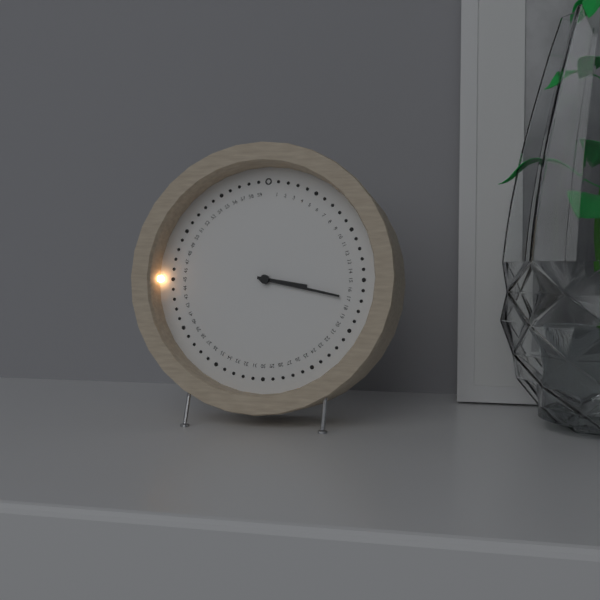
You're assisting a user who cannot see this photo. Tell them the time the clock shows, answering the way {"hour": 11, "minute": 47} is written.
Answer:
{"hour": 3, "minute": 17}
